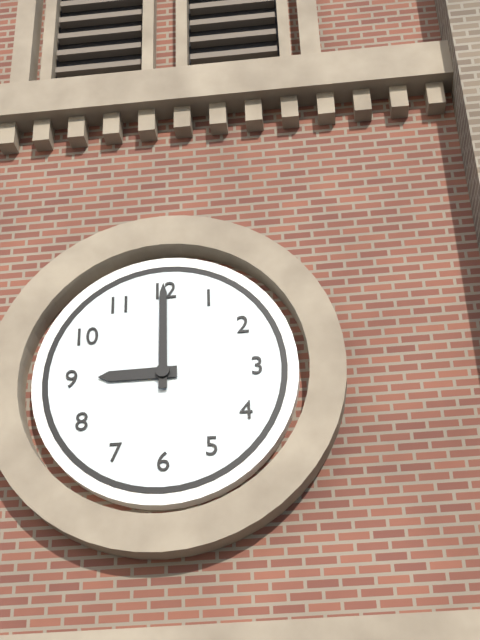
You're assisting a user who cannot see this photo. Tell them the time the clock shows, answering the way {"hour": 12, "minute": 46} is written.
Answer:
{"hour": 9, "minute": 0}
